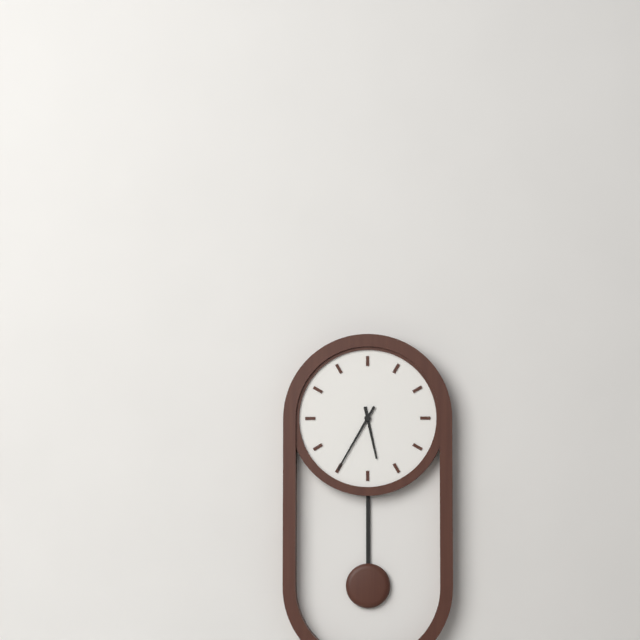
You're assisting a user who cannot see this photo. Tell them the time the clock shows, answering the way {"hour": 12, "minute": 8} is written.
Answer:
{"hour": 5, "minute": 35}
